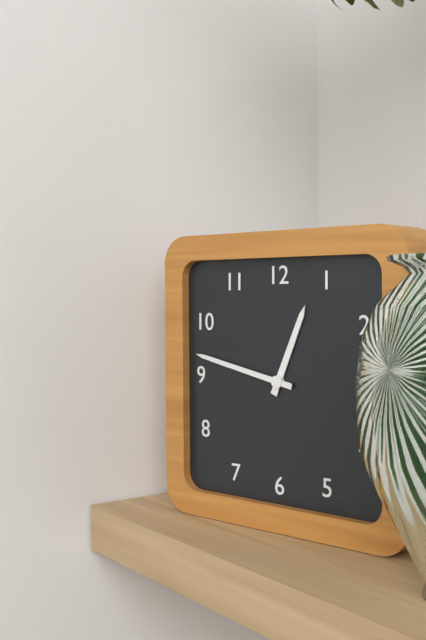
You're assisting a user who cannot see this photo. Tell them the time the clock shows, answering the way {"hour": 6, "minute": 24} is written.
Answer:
{"hour": 12, "minute": 47}
